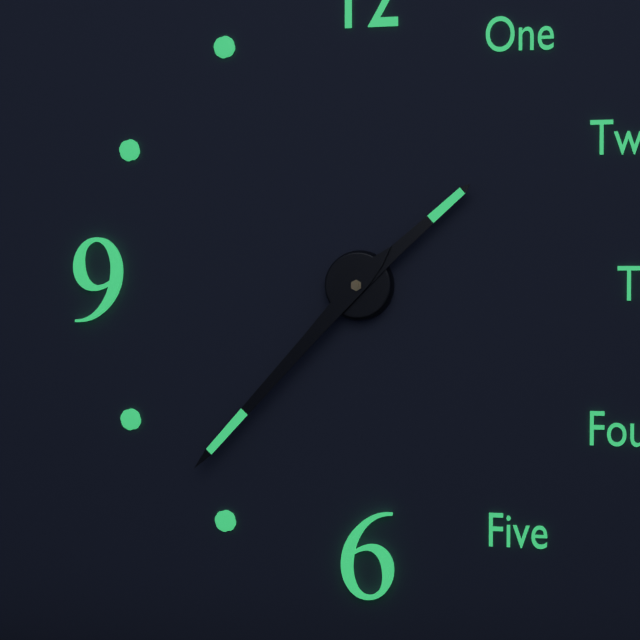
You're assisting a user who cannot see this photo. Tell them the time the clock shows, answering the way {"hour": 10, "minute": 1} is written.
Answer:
{"hour": 1, "minute": 37}
